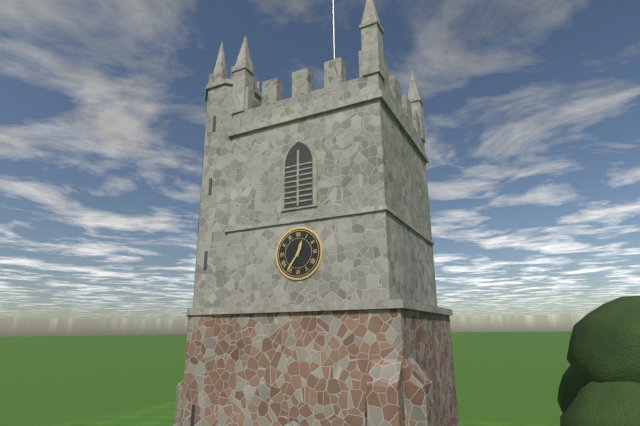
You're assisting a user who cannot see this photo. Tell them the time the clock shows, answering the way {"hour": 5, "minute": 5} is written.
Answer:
{"hour": 12, "minute": 36}
